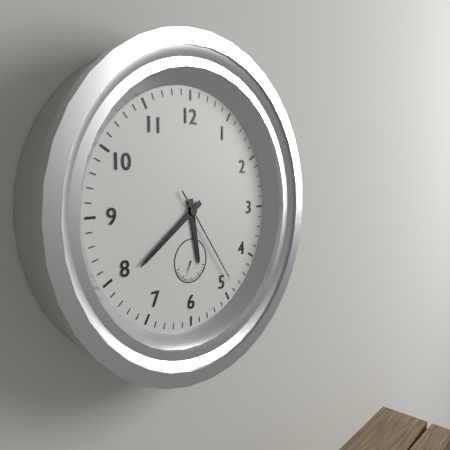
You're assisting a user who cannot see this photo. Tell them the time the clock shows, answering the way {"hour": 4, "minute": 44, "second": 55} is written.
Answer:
{"hour": 5, "minute": 39, "second": 24}
